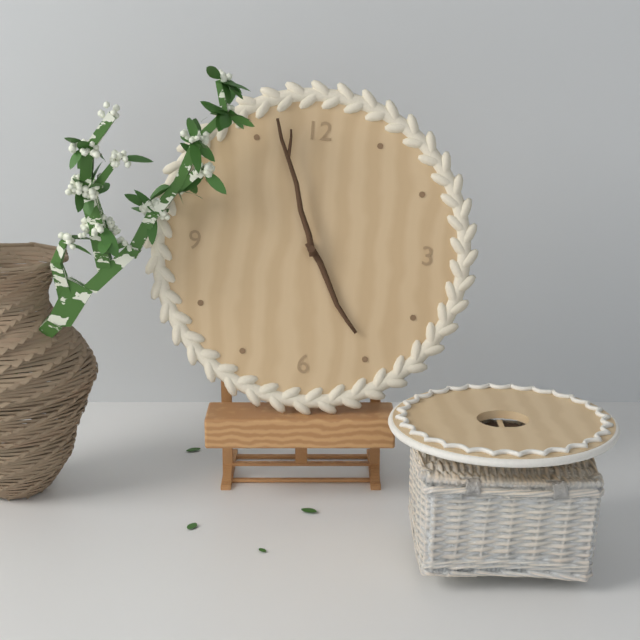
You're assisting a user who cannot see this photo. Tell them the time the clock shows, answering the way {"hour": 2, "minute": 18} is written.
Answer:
{"hour": 4, "minute": 57}
